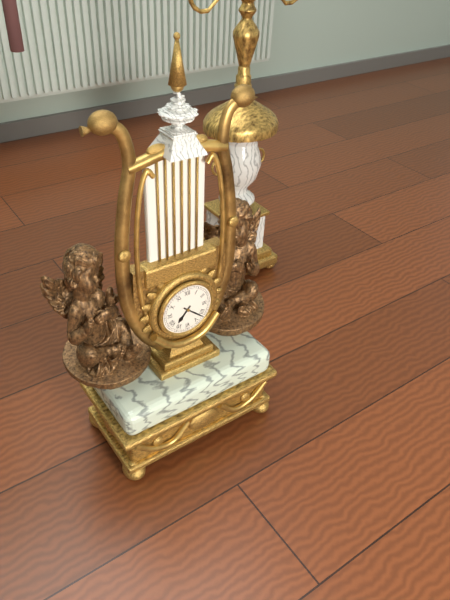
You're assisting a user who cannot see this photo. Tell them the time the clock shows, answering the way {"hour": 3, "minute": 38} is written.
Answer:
{"hour": 7, "minute": 22}
